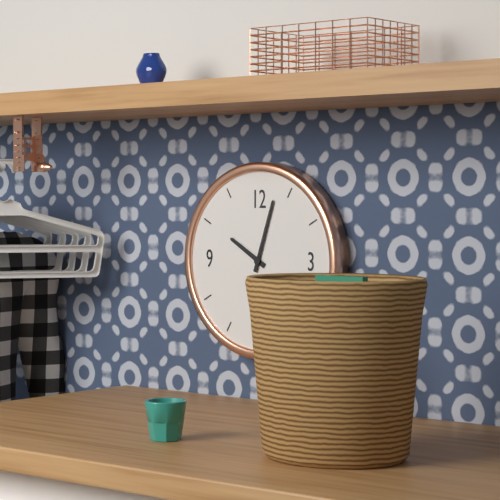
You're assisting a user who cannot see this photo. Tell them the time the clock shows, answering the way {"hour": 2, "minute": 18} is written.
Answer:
{"hour": 10, "minute": 3}
